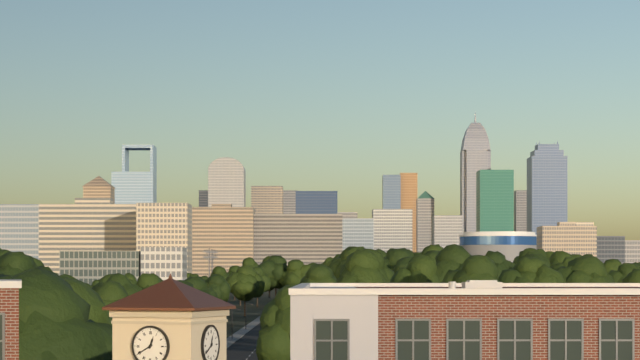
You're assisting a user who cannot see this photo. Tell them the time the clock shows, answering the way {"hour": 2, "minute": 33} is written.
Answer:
{"hour": 12, "minute": 40}
